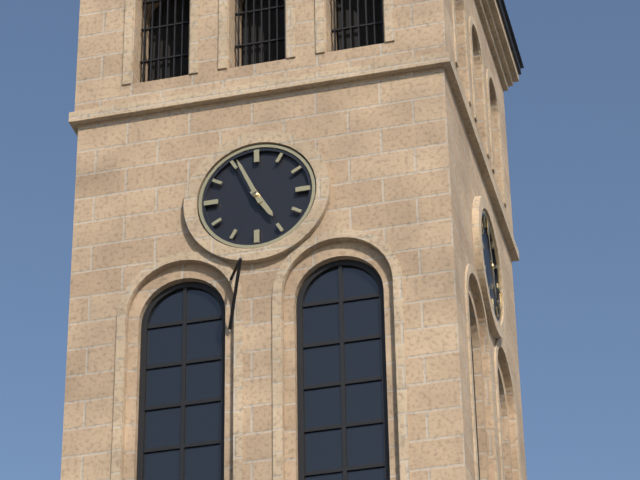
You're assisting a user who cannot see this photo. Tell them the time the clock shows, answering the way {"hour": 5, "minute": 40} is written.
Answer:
{"hour": 4, "minute": 56}
